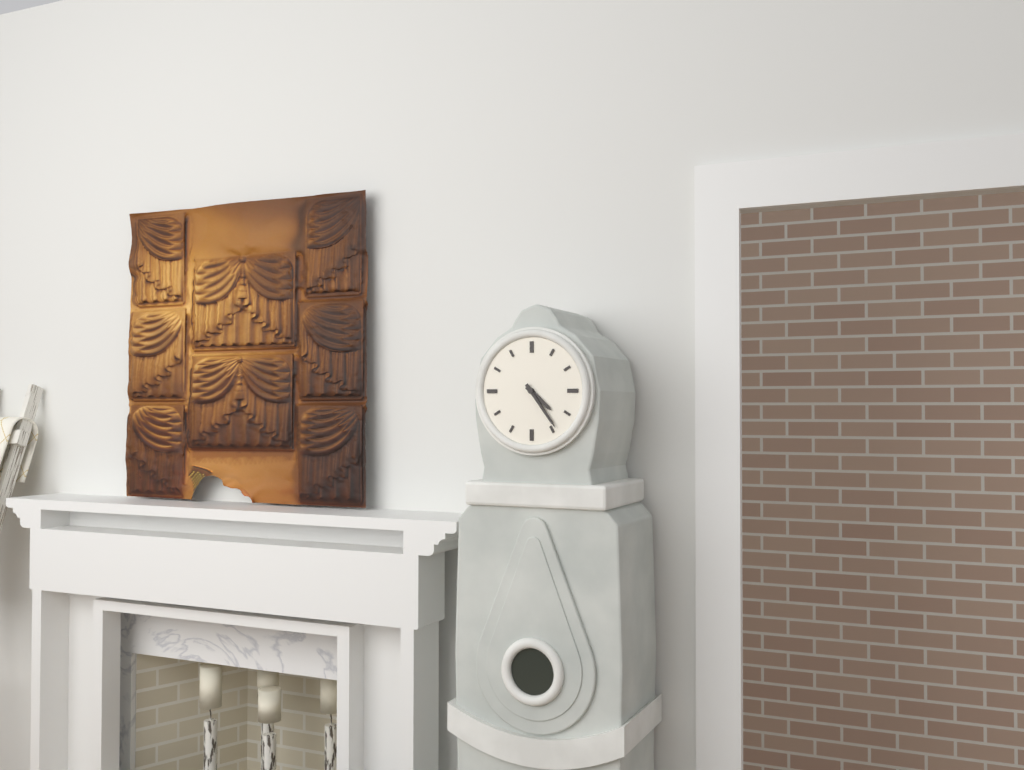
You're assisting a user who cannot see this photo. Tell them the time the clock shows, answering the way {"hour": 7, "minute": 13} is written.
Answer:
{"hour": 4, "minute": 24}
